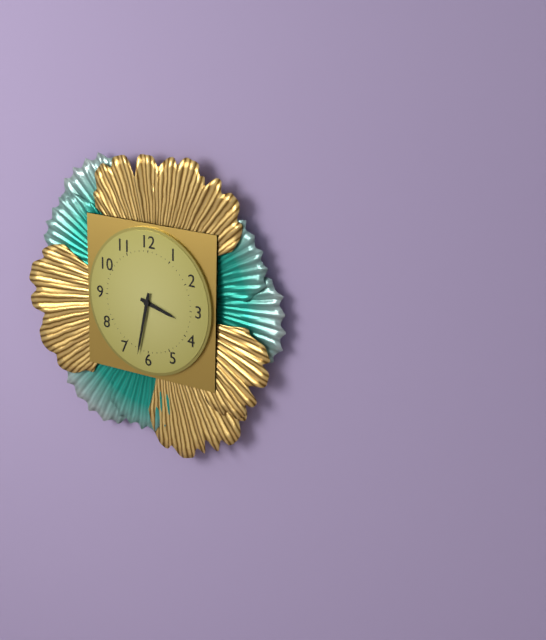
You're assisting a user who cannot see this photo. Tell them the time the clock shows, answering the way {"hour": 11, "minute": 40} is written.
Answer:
{"hour": 3, "minute": 32}
